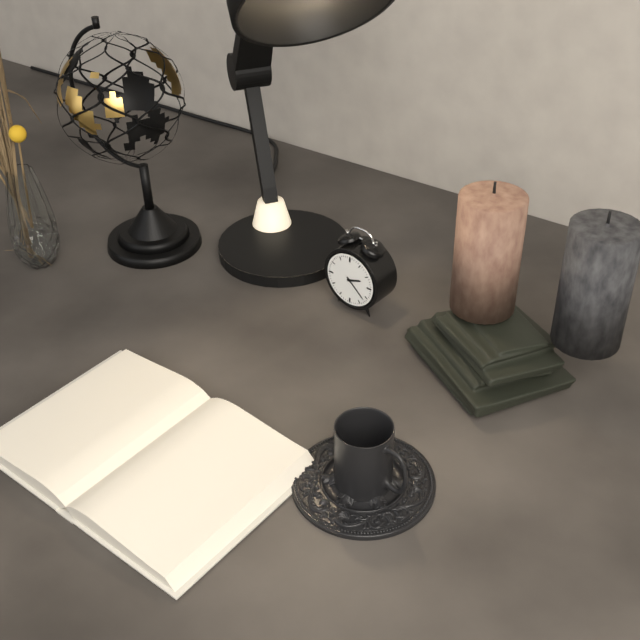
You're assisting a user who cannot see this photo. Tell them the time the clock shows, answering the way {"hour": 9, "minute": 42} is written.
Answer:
{"hour": 2, "minute": 22}
